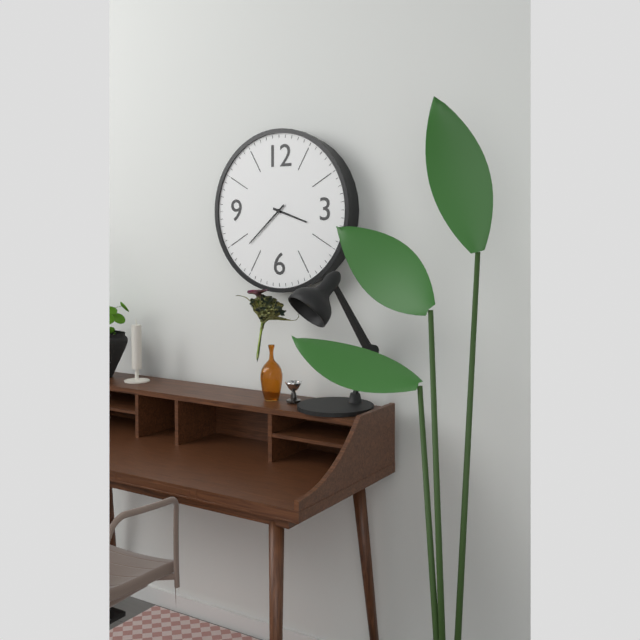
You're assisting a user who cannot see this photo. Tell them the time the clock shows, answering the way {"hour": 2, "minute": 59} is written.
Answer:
{"hour": 3, "minute": 38}
